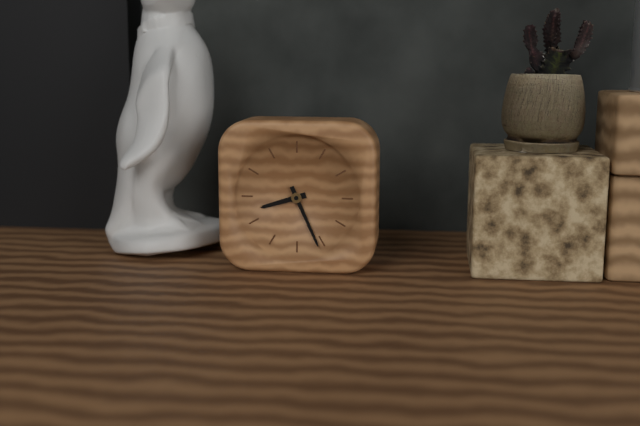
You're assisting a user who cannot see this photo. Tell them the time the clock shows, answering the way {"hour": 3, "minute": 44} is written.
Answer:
{"hour": 8, "minute": 26}
